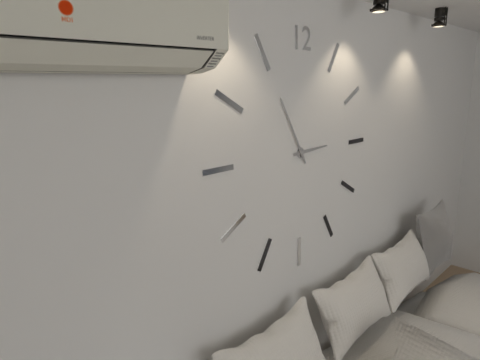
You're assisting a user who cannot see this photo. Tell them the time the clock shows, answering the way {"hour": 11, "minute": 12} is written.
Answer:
{"hour": 2, "minute": 55}
